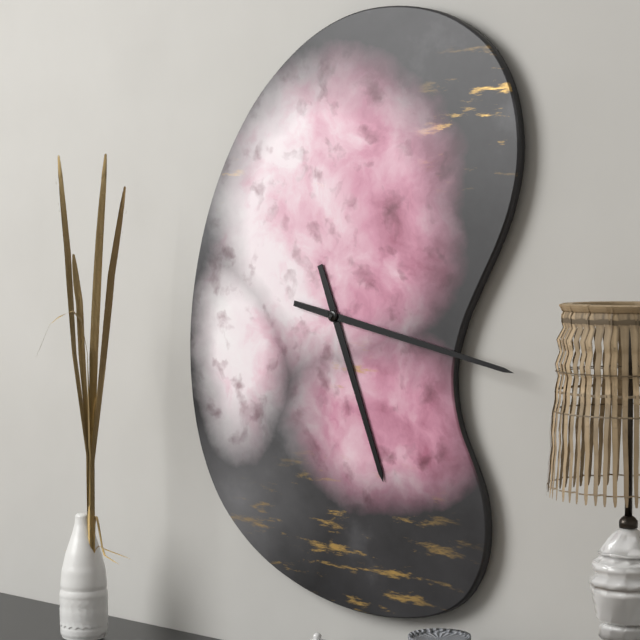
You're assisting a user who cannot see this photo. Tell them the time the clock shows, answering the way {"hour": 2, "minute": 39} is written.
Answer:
{"hour": 5, "minute": 17}
